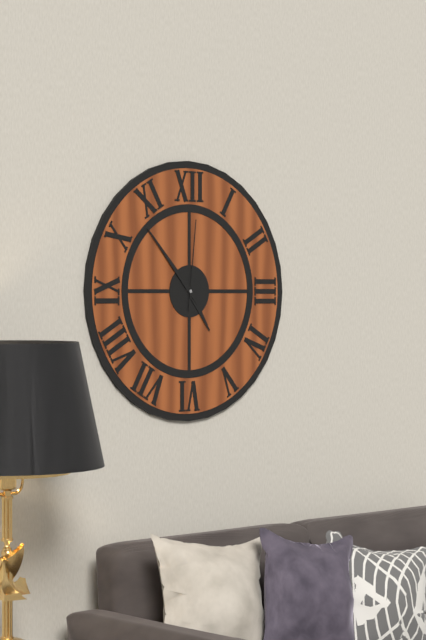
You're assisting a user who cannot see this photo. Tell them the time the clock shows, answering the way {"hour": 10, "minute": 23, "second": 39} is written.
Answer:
{"hour": 4, "minute": 53, "second": 1}
